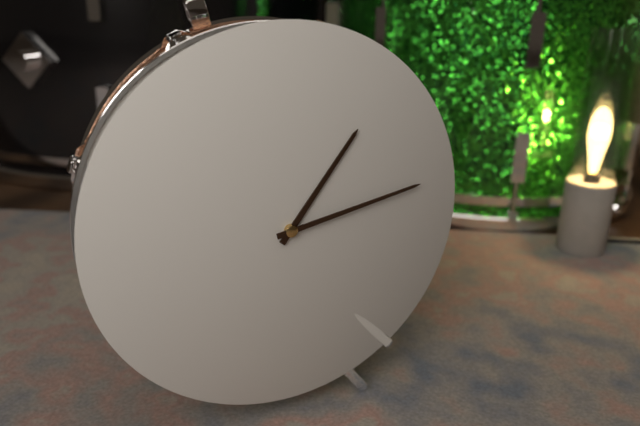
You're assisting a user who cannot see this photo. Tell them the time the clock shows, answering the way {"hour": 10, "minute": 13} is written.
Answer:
{"hour": 1, "minute": 13}
